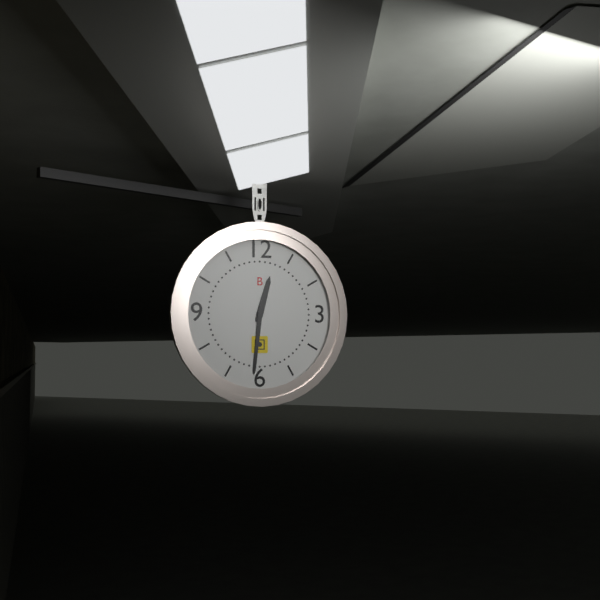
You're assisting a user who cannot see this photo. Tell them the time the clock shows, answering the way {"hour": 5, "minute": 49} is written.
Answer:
{"hour": 12, "minute": 31}
